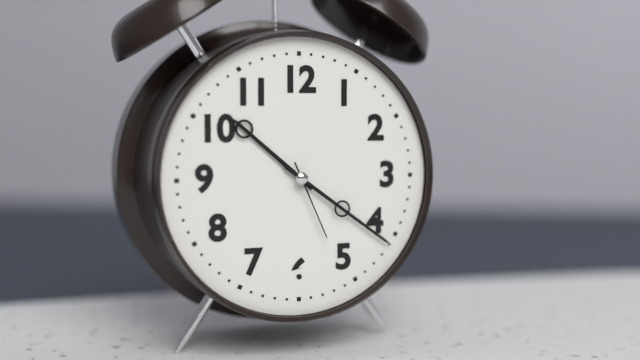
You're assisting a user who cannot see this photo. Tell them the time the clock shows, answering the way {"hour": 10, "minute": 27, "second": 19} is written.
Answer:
{"hour": 10, "minute": 21, "second": 26}
